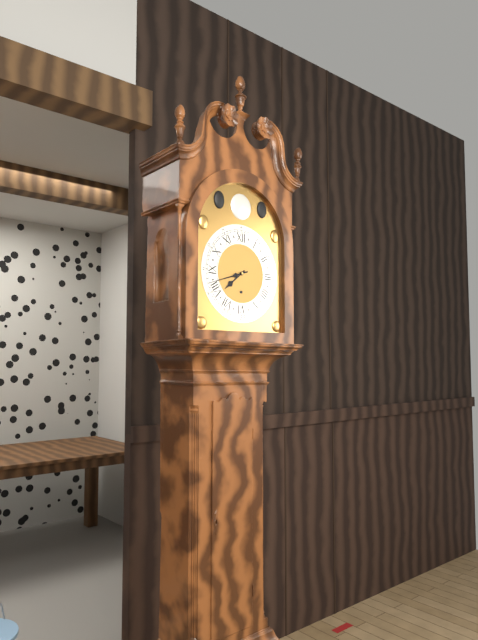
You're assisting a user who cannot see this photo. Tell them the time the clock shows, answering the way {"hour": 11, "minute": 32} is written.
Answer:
{"hour": 7, "minute": 42}
